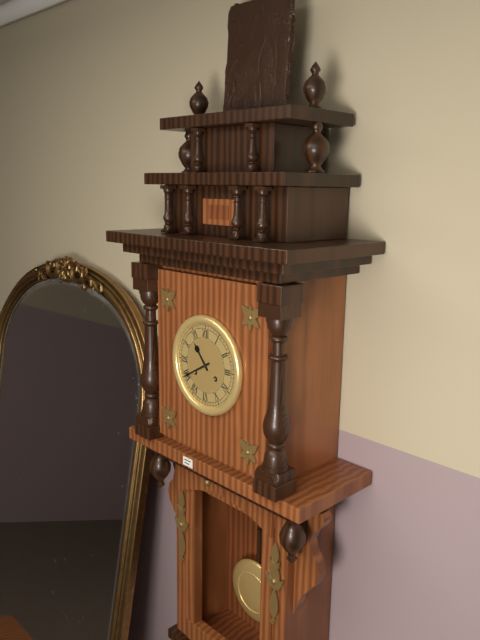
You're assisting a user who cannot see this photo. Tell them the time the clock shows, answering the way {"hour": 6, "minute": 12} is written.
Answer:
{"hour": 10, "minute": 40}
